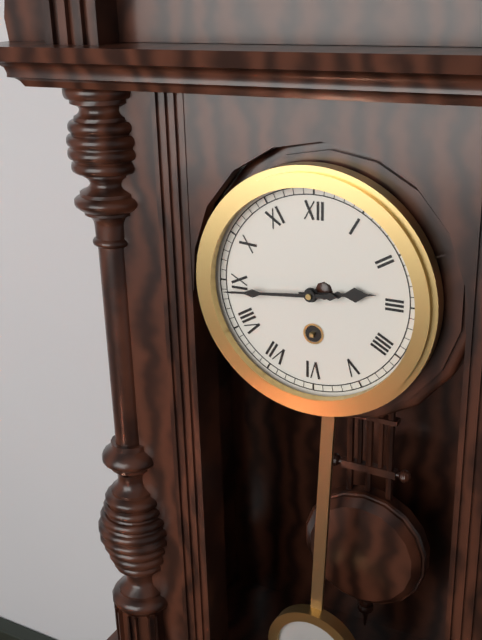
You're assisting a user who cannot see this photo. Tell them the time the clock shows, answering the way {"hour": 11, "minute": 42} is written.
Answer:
{"hour": 2, "minute": 44}
